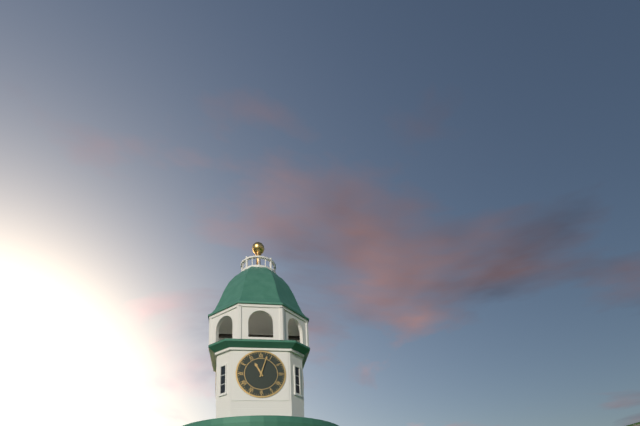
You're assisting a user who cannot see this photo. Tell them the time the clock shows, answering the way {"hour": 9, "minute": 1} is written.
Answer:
{"hour": 11, "minute": 3}
